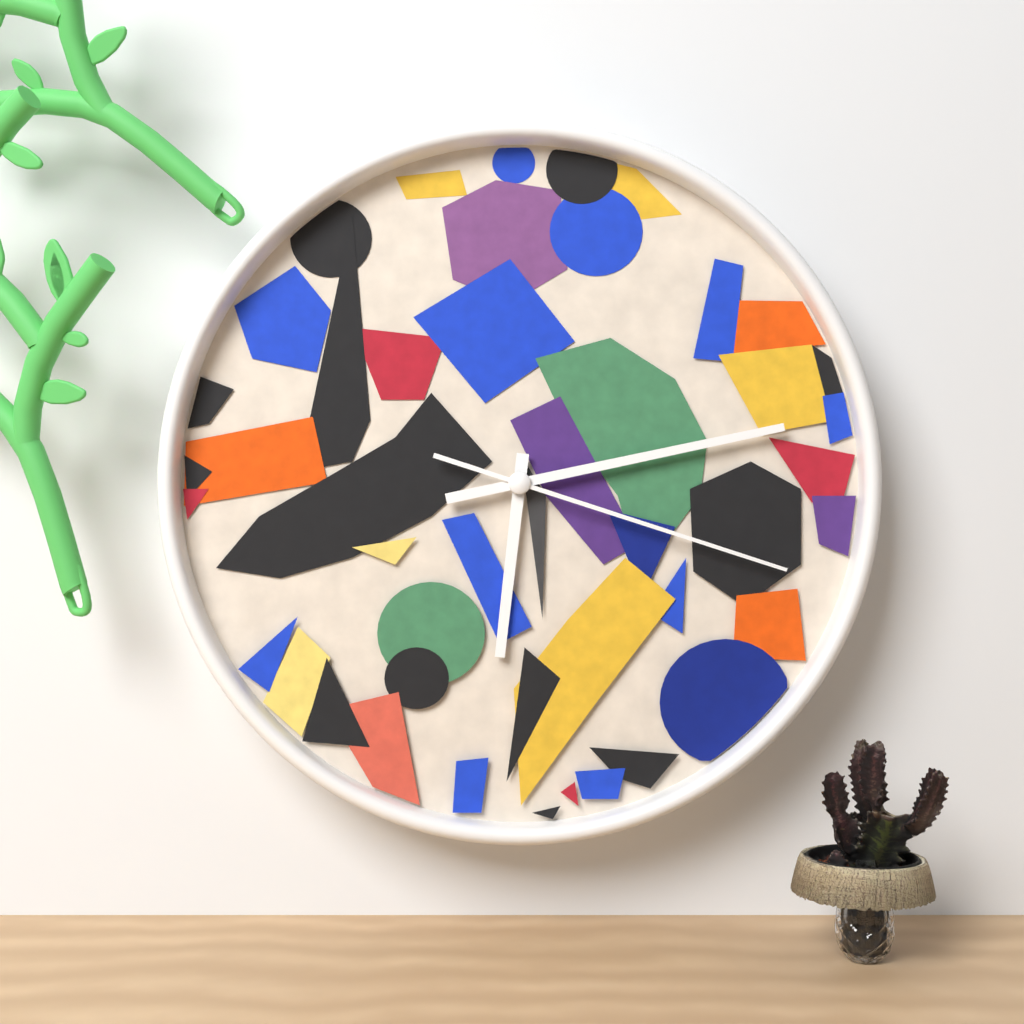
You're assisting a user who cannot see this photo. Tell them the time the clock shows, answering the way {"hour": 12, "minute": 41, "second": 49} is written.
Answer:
{"hour": 6, "minute": 13, "second": 18}
